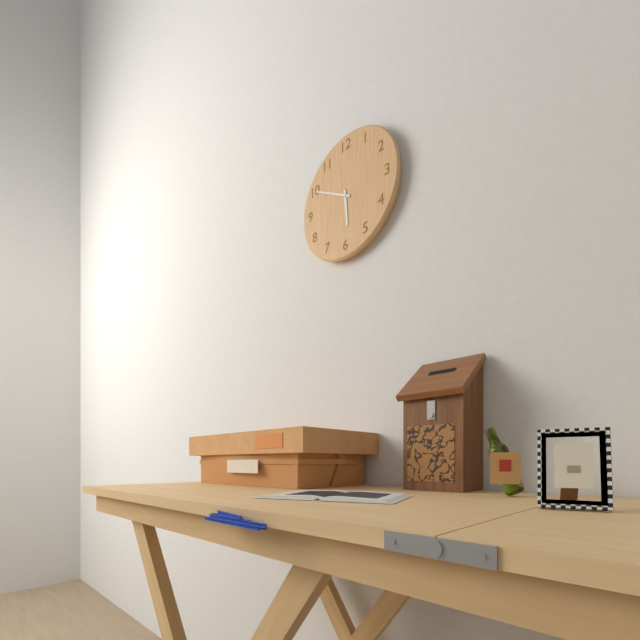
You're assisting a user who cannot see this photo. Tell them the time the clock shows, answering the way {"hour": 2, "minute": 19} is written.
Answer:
{"hour": 5, "minute": 50}
